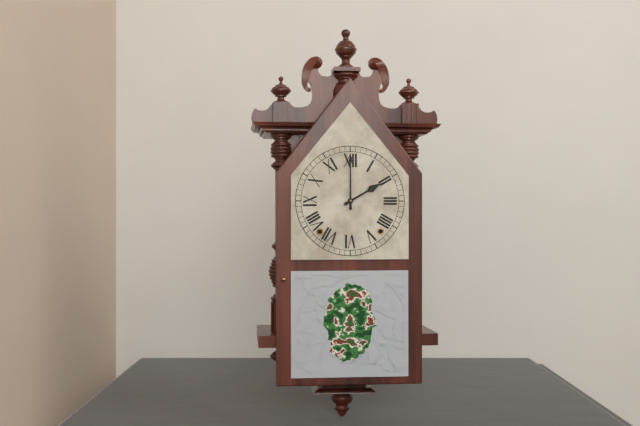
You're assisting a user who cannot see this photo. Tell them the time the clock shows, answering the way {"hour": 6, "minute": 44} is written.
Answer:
{"hour": 2, "minute": 0}
